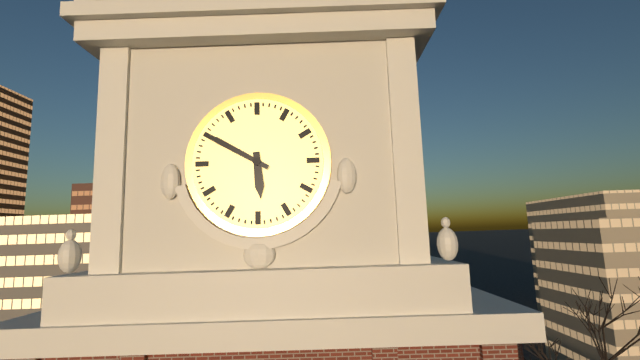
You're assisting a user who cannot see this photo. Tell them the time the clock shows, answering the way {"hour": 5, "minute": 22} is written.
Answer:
{"hour": 5, "minute": 50}
